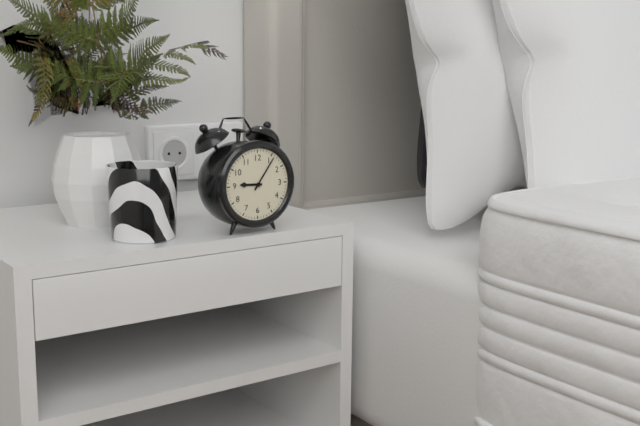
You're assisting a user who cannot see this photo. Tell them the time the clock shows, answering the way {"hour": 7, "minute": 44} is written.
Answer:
{"hour": 9, "minute": 6}
